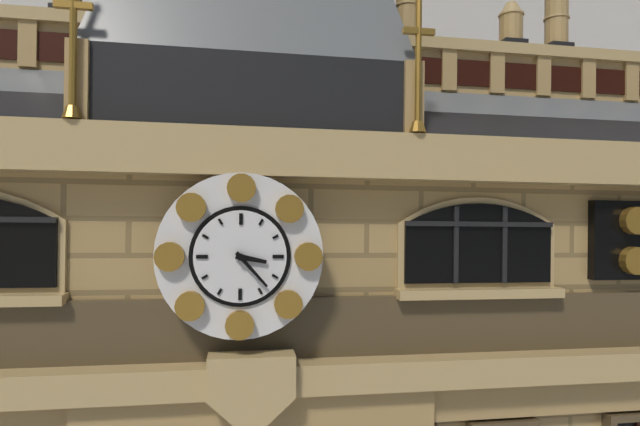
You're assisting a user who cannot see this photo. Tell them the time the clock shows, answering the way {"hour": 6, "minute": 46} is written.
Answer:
{"hour": 3, "minute": 23}
